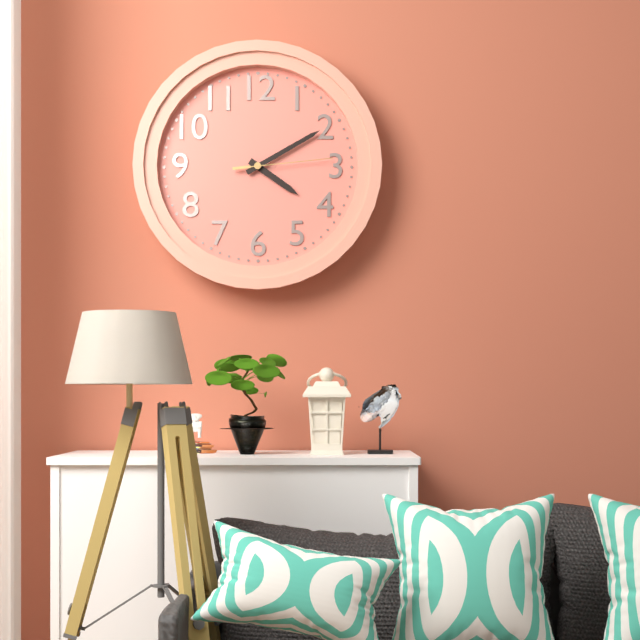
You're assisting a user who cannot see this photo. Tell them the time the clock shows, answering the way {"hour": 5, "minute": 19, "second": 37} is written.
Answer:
{"hour": 4, "minute": 10, "second": 14}
